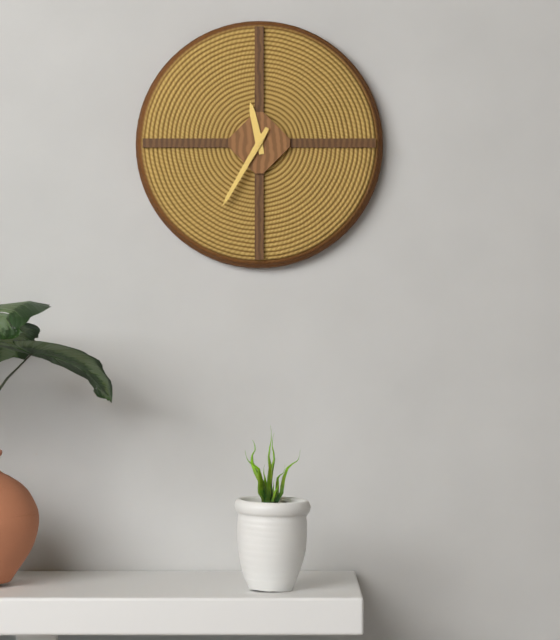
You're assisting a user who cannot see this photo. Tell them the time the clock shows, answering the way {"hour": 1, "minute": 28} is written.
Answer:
{"hour": 11, "minute": 35}
